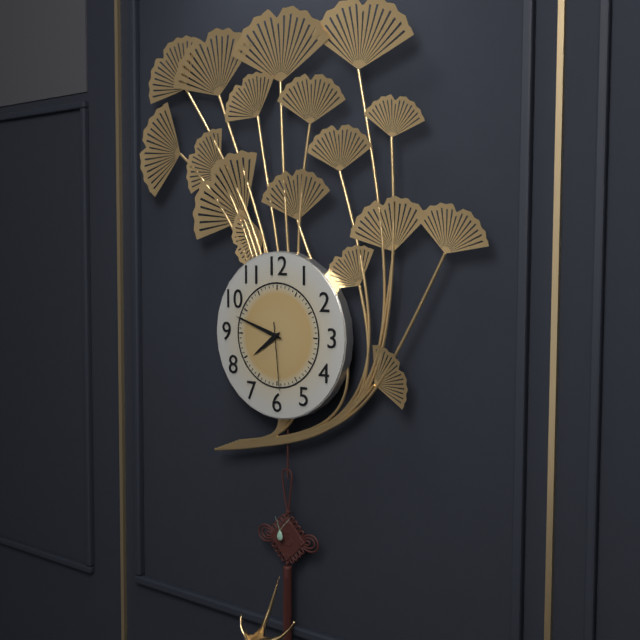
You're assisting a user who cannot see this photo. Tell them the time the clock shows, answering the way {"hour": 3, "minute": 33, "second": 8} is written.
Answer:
{"hour": 7, "minute": 48, "second": 29}
